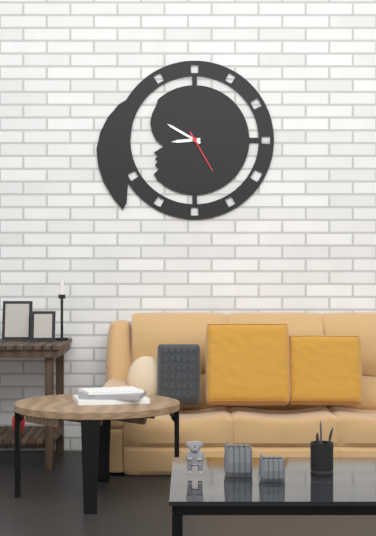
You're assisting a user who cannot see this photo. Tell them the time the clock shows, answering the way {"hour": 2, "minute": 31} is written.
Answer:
{"hour": 8, "minute": 50}
